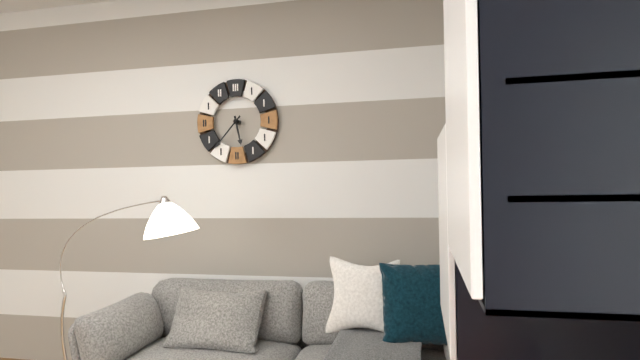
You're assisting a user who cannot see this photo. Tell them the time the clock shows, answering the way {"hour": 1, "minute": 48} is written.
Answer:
{"hour": 5, "minute": 37}
